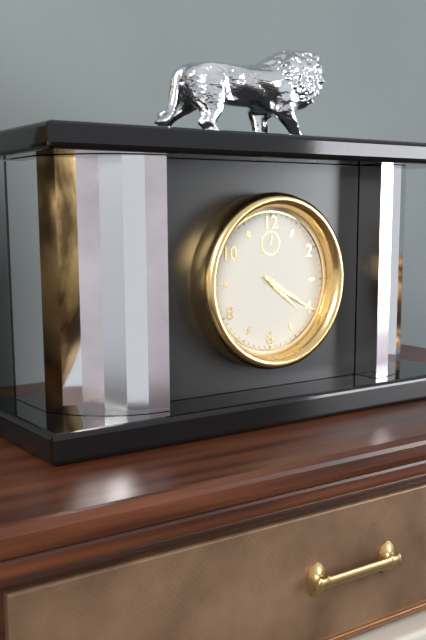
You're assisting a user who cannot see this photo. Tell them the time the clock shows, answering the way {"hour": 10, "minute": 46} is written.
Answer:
{"hour": 4, "minute": 20}
